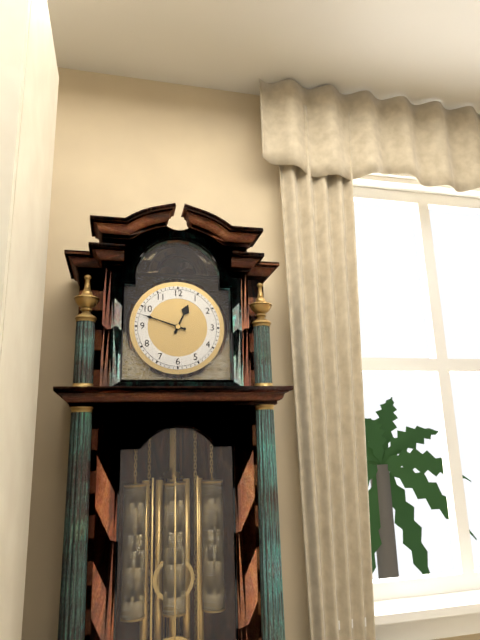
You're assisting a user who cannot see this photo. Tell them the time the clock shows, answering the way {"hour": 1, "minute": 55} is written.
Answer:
{"hour": 12, "minute": 48}
